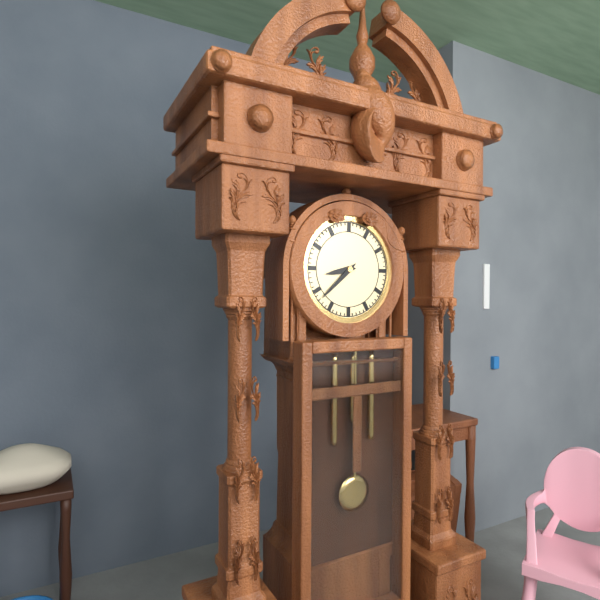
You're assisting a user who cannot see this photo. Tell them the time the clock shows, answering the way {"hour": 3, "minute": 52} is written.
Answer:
{"hour": 8, "minute": 38}
